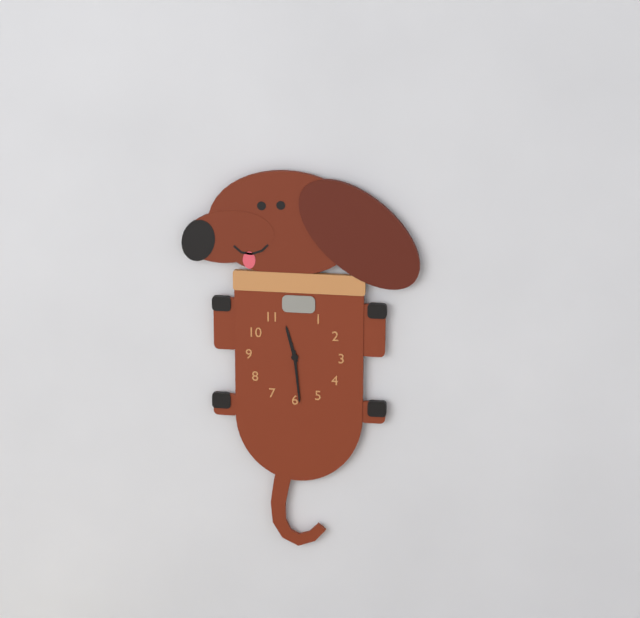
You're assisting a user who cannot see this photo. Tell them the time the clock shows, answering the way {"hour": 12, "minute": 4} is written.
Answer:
{"hour": 11, "minute": 29}
